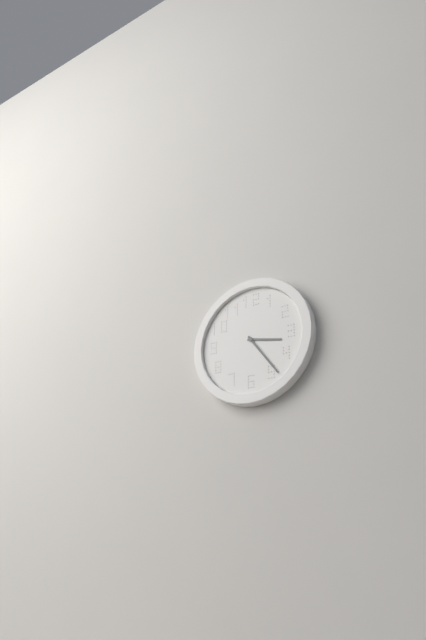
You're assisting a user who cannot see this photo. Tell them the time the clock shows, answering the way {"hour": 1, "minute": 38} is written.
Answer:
{"hour": 3, "minute": 24}
